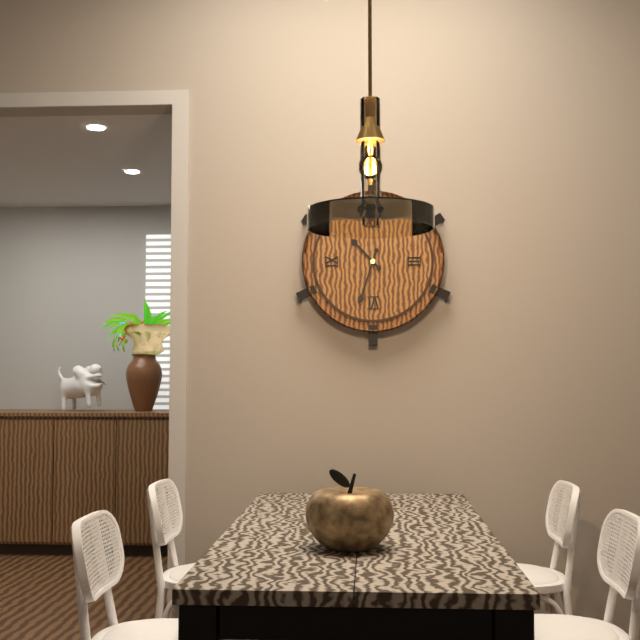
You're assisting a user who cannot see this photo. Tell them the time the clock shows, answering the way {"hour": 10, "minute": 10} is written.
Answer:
{"hour": 10, "minute": 33}
